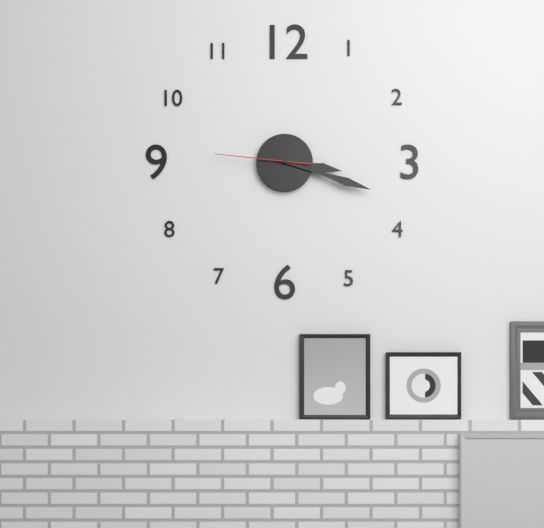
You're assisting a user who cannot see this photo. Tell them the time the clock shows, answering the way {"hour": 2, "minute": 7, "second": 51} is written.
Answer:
{"hour": 3, "minute": 18, "second": 46}
